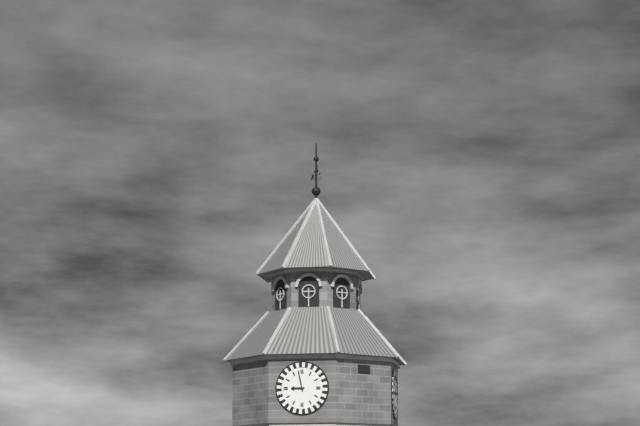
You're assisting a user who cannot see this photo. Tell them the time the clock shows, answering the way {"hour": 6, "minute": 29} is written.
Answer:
{"hour": 8, "minute": 58}
